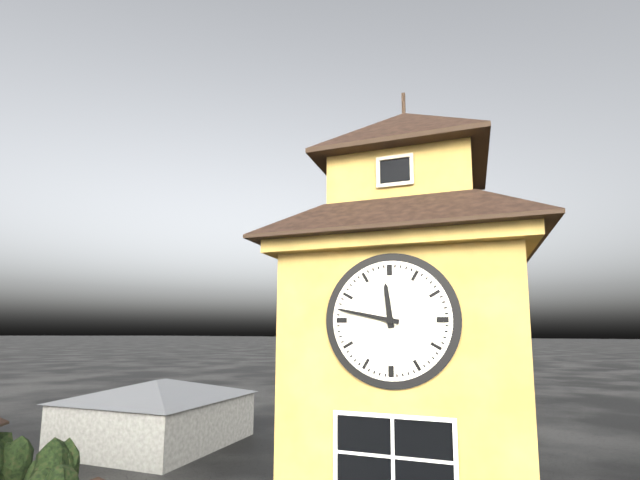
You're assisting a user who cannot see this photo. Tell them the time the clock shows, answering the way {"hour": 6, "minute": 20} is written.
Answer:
{"hour": 11, "minute": 47}
